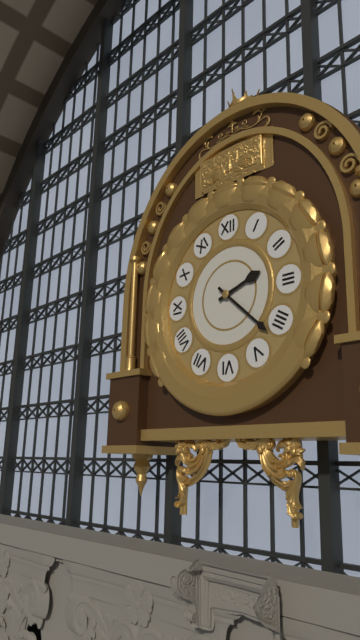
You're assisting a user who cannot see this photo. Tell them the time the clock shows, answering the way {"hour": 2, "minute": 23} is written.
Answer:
{"hour": 2, "minute": 22}
